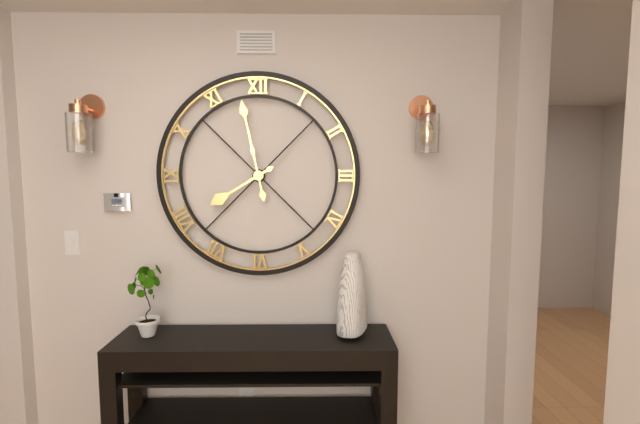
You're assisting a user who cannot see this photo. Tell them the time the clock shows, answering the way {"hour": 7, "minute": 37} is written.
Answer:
{"hour": 7, "minute": 58}
